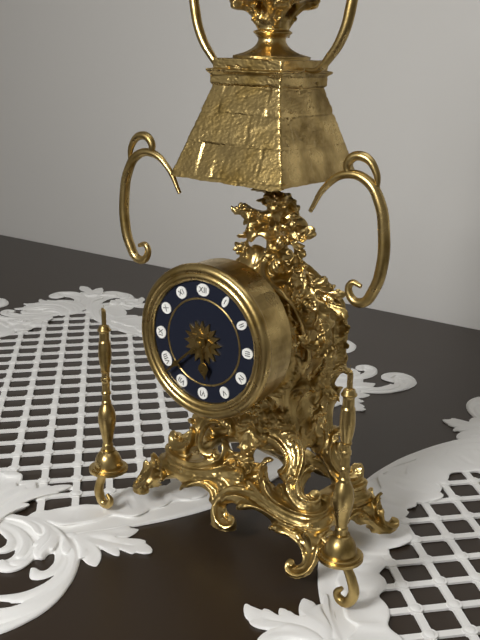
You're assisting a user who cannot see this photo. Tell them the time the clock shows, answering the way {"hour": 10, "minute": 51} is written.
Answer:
{"hour": 5, "minute": 38}
